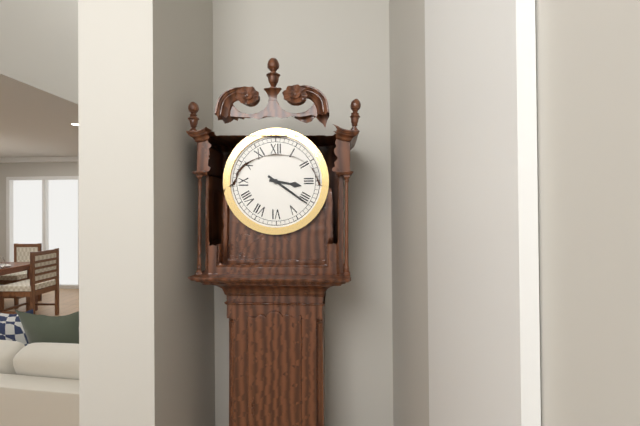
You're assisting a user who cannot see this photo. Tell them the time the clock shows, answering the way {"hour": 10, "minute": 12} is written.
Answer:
{"hour": 3, "minute": 21}
